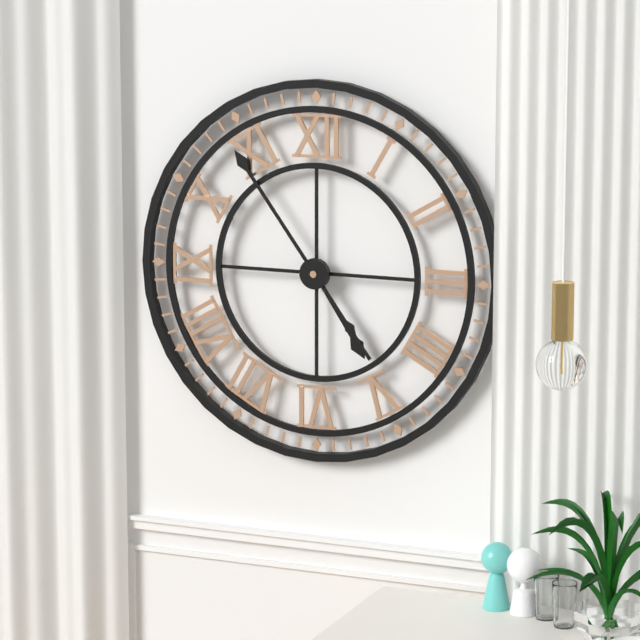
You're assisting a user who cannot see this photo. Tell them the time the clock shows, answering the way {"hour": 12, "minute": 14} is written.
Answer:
{"hour": 4, "minute": 54}
